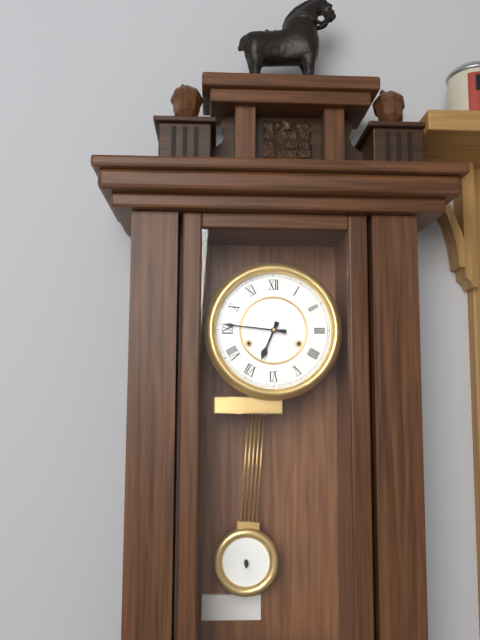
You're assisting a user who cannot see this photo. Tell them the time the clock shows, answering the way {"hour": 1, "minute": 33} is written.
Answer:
{"hour": 6, "minute": 46}
